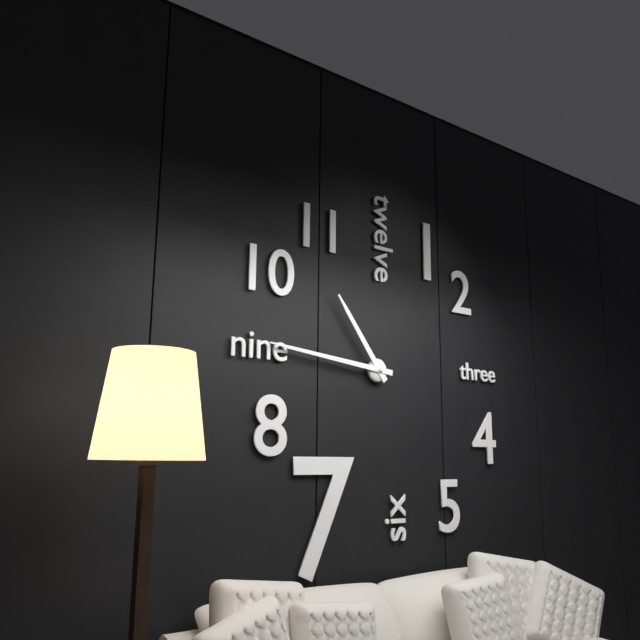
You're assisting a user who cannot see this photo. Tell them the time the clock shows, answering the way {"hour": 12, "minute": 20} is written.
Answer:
{"hour": 10, "minute": 46}
